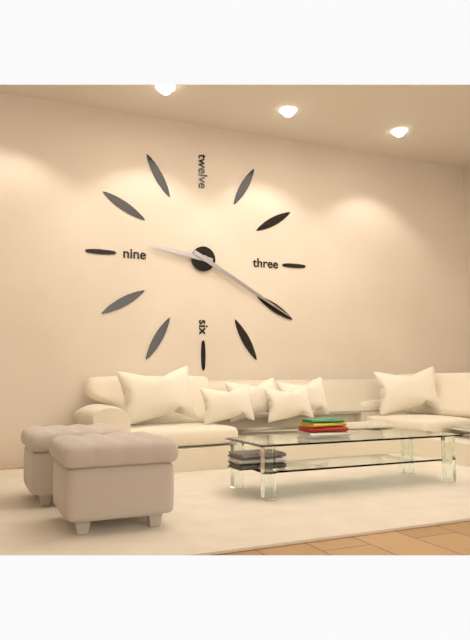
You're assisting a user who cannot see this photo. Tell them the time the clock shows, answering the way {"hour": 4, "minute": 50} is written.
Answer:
{"hour": 9, "minute": 20}
